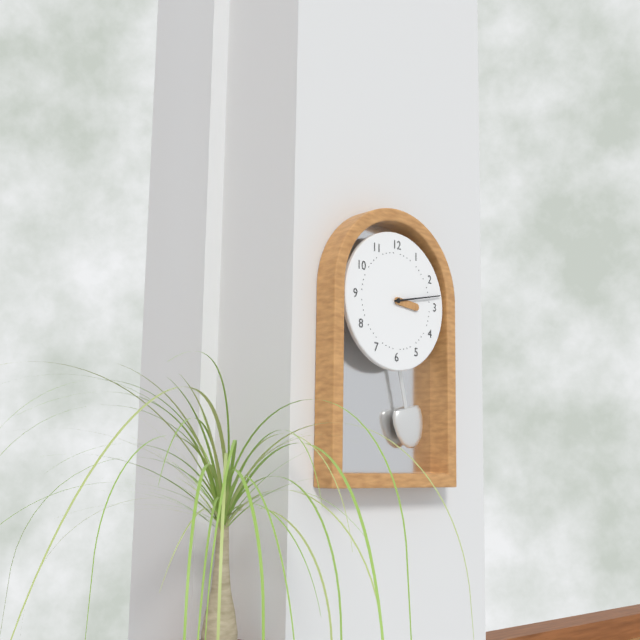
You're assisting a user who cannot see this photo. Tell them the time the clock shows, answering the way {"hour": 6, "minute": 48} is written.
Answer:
{"hour": 3, "minute": 13}
